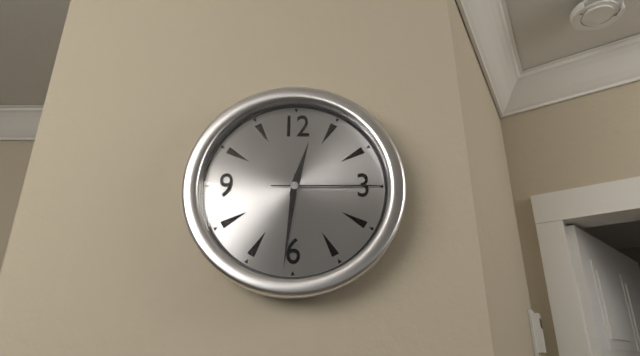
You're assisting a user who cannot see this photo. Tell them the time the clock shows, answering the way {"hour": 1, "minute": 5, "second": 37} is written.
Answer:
{"hour": 12, "minute": 31, "second": 15}
